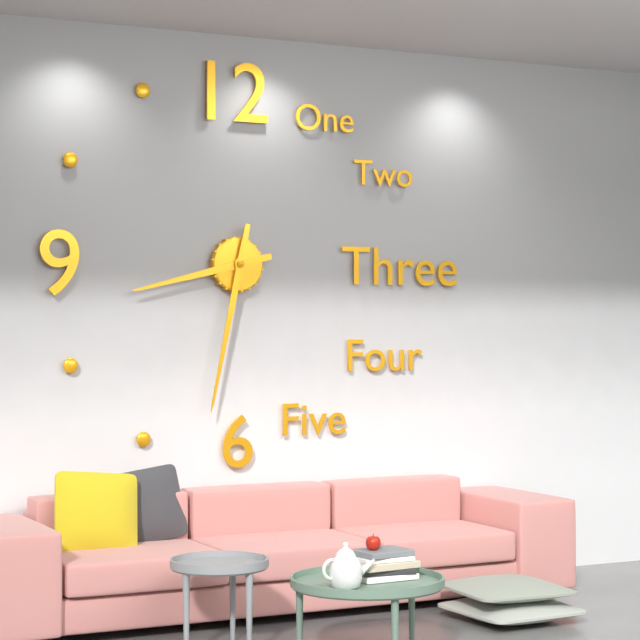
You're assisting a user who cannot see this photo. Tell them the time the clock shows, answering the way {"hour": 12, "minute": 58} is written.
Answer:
{"hour": 8, "minute": 32}
